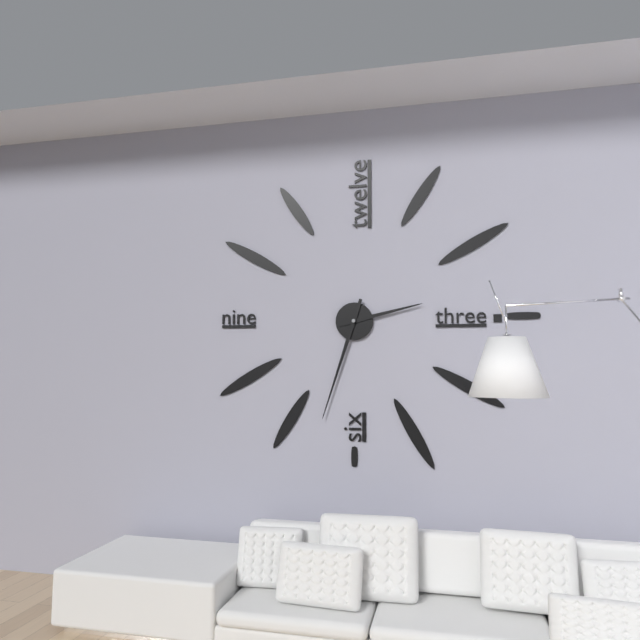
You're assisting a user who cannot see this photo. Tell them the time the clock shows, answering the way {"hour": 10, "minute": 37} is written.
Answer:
{"hour": 2, "minute": 33}
